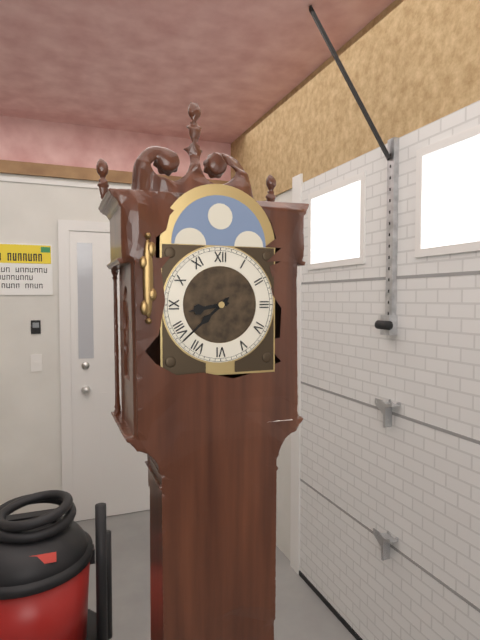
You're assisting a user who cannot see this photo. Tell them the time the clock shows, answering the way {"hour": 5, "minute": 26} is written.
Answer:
{"hour": 8, "minute": 38}
